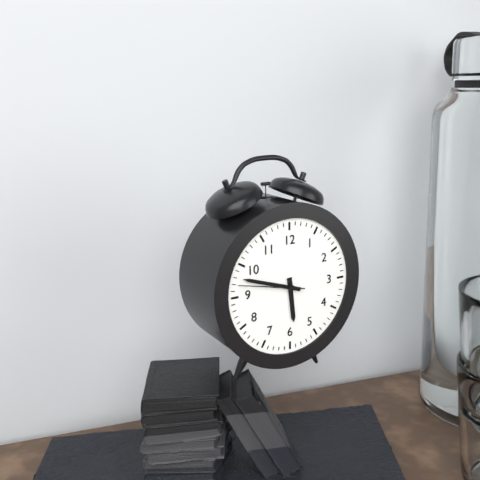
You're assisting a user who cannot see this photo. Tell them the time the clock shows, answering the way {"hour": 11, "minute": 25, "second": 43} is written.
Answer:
{"hour": 5, "minute": 48, "second": 47}
